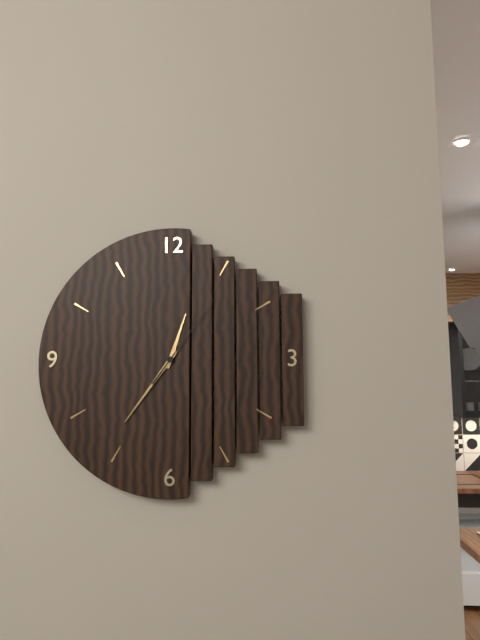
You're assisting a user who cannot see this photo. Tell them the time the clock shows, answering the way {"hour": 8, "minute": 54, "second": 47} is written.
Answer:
{"hour": 12, "minute": 36, "second": 6}
